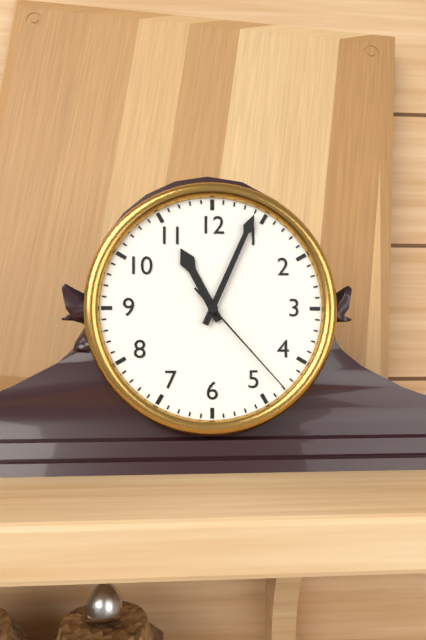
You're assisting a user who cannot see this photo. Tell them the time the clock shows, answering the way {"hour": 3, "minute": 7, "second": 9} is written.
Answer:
{"hour": 11, "minute": 4, "second": 23}
